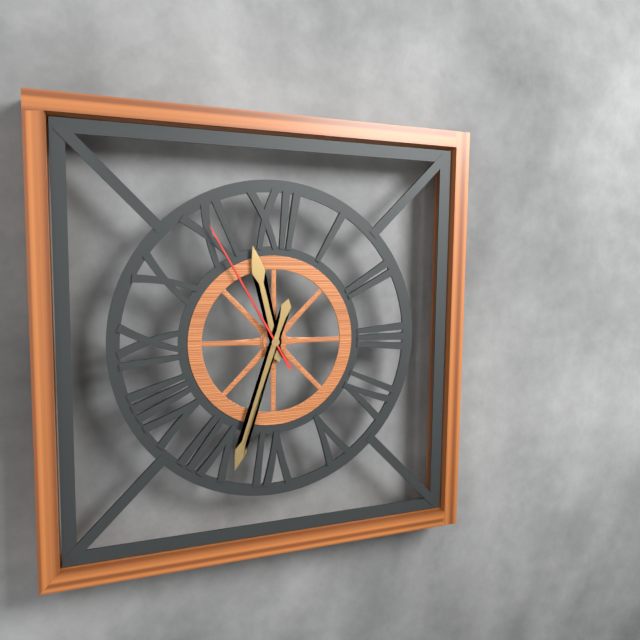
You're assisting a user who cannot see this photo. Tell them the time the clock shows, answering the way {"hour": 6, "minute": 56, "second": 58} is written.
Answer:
{"hour": 11, "minute": 33, "second": 55}
